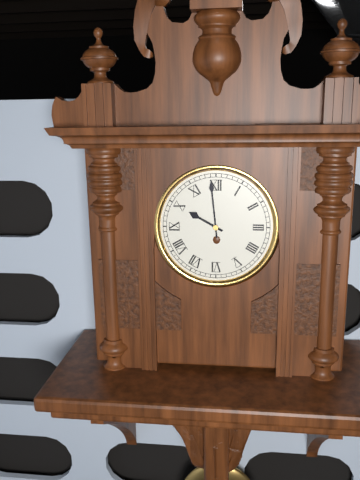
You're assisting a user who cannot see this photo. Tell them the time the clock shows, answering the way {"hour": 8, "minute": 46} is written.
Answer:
{"hour": 9, "minute": 59}
